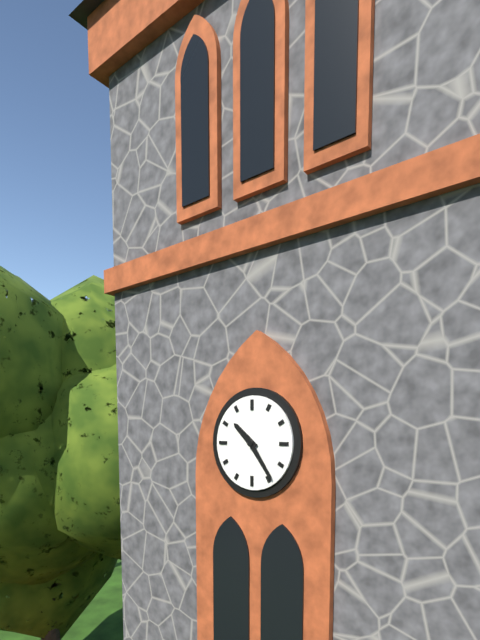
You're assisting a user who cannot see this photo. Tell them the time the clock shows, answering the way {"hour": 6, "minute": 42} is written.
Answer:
{"hour": 10, "minute": 24}
